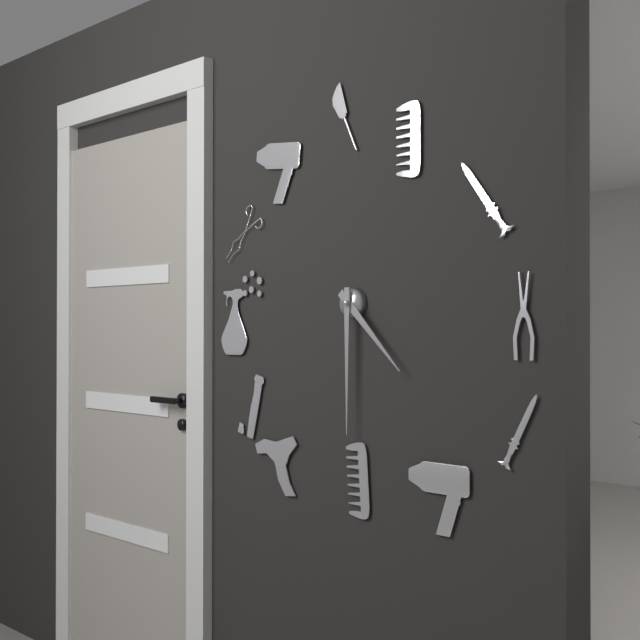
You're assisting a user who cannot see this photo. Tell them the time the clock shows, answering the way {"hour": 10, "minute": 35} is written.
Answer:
{"hour": 4, "minute": 30}
